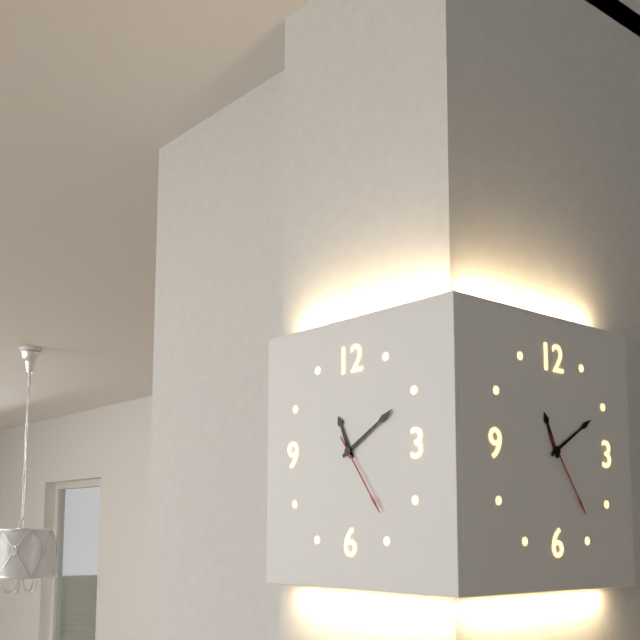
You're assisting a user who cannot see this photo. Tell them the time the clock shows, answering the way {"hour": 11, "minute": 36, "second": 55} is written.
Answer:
{"hour": 11, "minute": 10, "second": 24}
